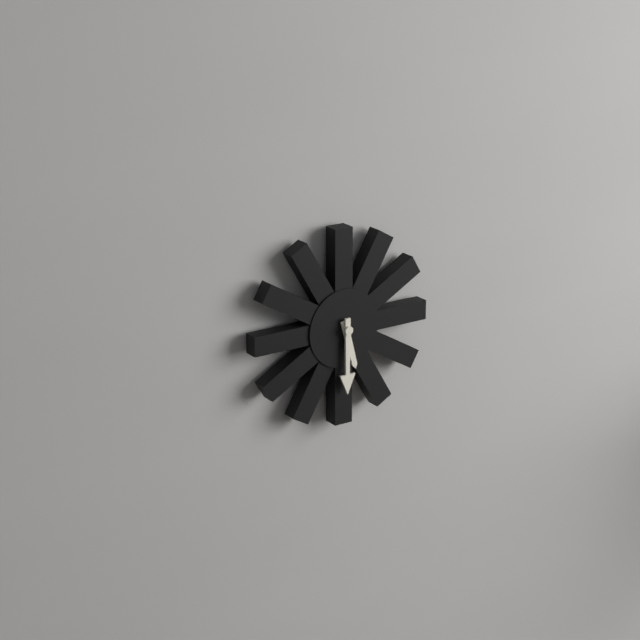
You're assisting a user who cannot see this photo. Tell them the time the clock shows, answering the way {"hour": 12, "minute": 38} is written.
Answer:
{"hour": 5, "minute": 30}
